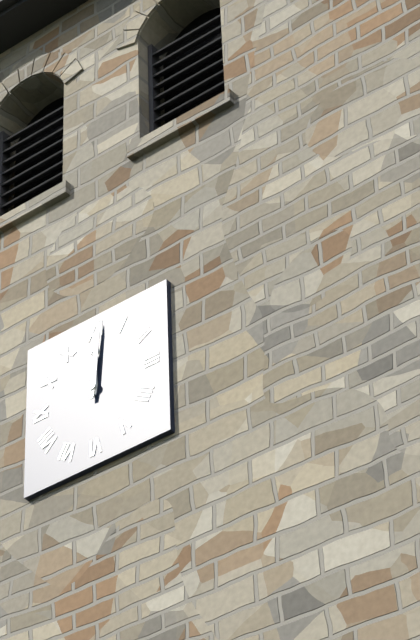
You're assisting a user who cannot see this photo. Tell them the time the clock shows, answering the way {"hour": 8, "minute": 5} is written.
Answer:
{"hour": 12, "minute": 1}
